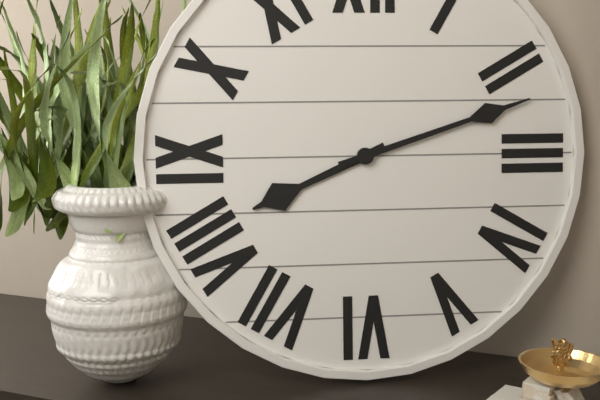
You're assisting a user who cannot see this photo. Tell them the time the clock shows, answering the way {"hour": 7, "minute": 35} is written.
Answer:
{"hour": 8, "minute": 12}
